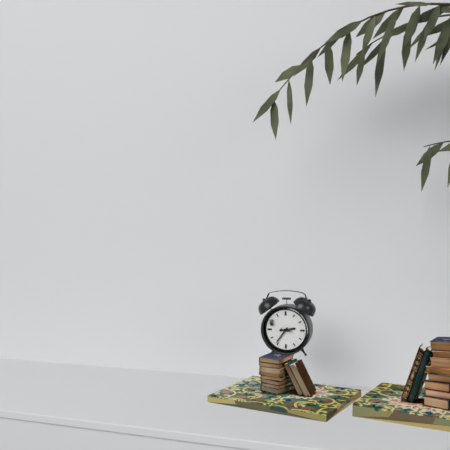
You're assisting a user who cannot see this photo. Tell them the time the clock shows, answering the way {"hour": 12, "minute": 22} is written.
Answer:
{"hour": 2, "minute": 36}
